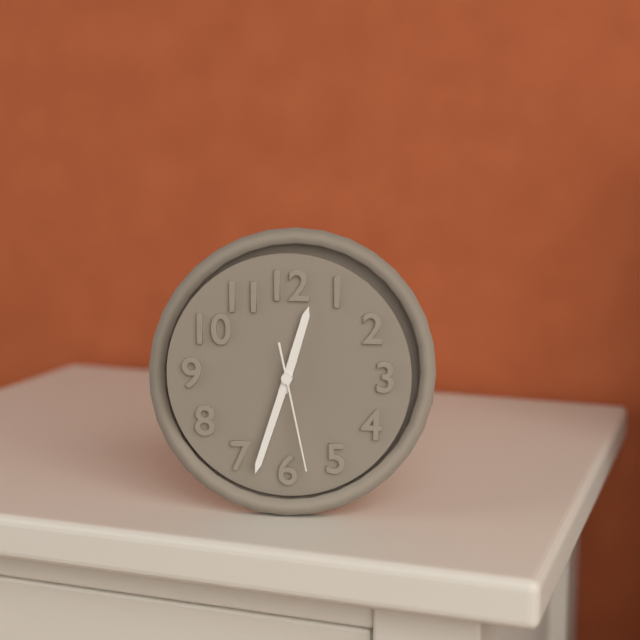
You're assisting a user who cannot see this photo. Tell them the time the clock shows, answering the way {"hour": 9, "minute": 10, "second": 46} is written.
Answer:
{"hour": 12, "minute": 33, "second": 28}
